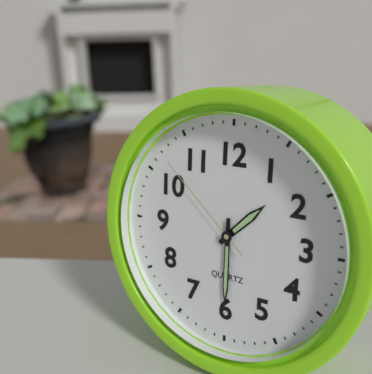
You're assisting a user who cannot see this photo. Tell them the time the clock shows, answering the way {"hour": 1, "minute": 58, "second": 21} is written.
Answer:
{"hour": 1, "minute": 30, "second": 52}
